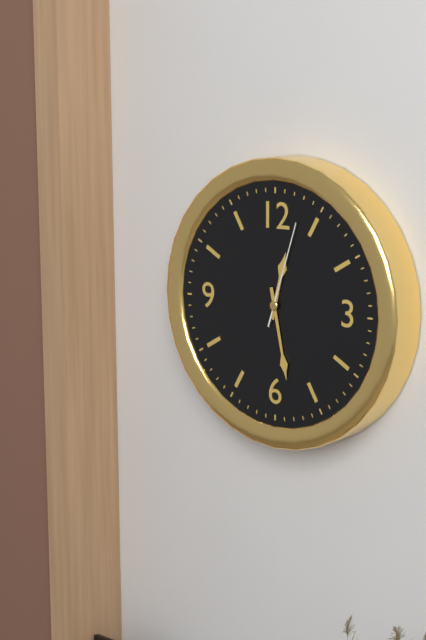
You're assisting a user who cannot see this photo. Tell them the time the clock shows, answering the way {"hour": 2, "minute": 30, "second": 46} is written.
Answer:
{"hour": 12, "minute": 28, "second": 3}
